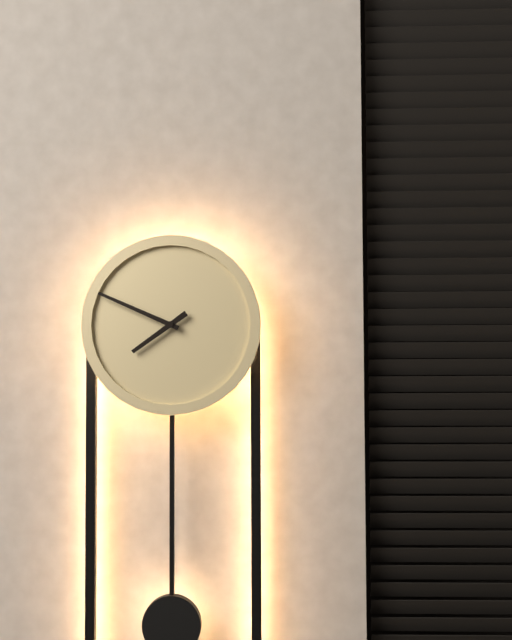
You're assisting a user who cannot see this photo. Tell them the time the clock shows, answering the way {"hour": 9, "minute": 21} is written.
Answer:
{"hour": 7, "minute": 49}
